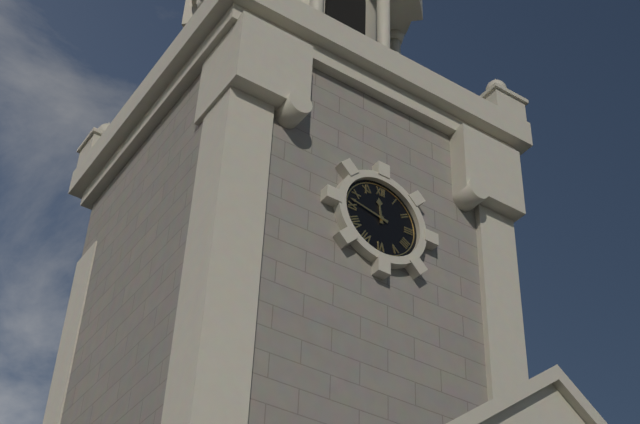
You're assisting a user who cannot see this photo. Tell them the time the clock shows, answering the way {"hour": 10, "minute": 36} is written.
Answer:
{"hour": 11, "minute": 47}
